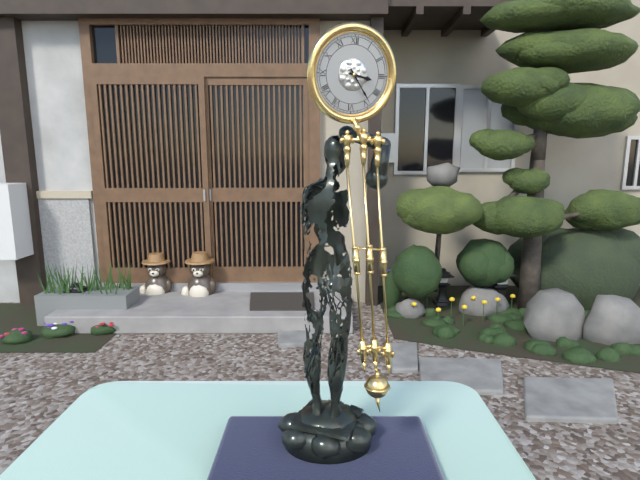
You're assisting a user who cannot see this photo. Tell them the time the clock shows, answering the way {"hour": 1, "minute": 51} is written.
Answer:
{"hour": 3, "minute": 24}
